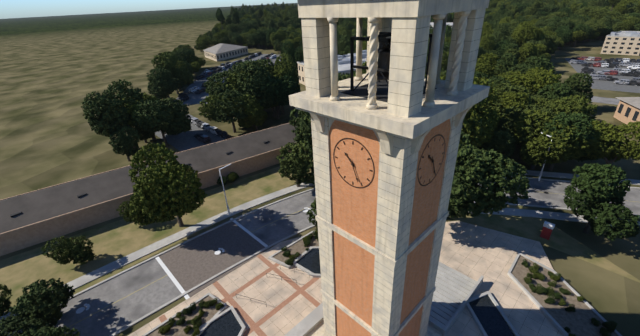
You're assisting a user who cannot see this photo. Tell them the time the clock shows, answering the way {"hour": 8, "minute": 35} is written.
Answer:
{"hour": 10, "minute": 26}
